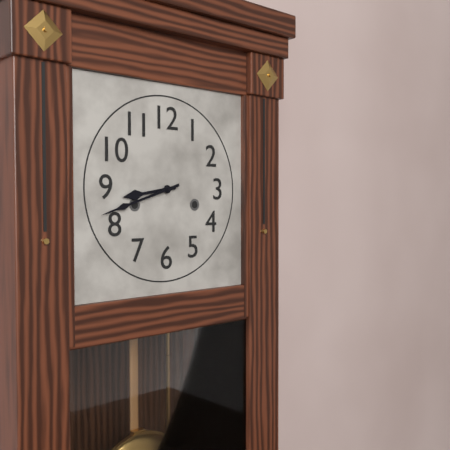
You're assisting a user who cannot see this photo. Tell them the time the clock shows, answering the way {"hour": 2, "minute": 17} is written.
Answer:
{"hour": 8, "minute": 42}
